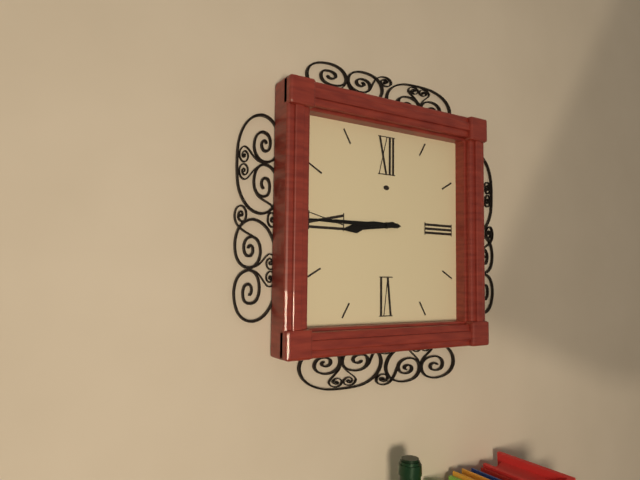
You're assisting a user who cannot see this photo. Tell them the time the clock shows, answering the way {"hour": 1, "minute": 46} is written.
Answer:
{"hour": 8, "minute": 45}
